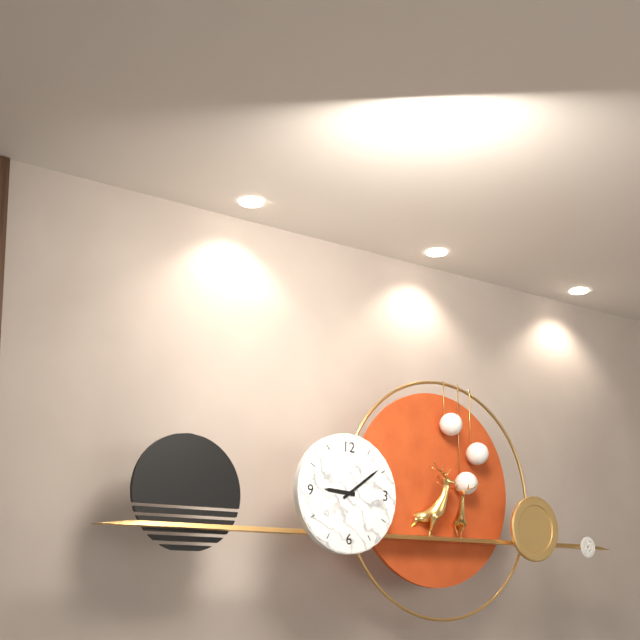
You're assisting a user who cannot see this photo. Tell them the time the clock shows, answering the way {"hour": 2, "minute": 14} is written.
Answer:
{"hour": 9, "minute": 9}
